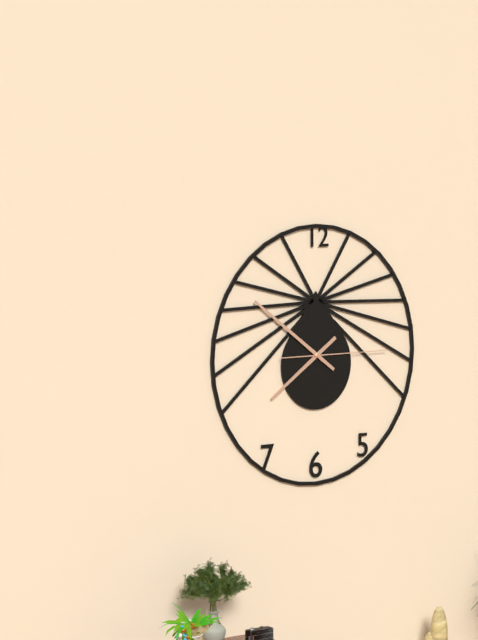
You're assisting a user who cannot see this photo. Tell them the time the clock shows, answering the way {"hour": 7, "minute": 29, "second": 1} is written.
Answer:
{"hour": 7, "minute": 51, "second": 15}
